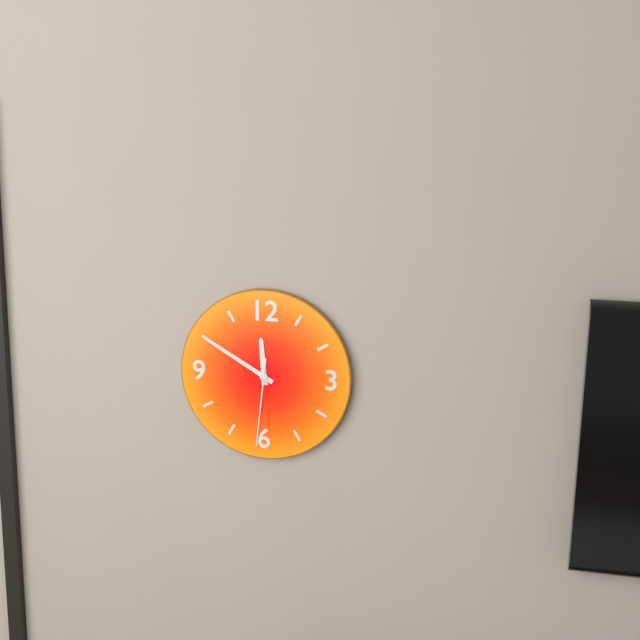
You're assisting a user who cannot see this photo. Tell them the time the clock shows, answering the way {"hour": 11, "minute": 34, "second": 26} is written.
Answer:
{"hour": 11, "minute": 50, "second": 31}
